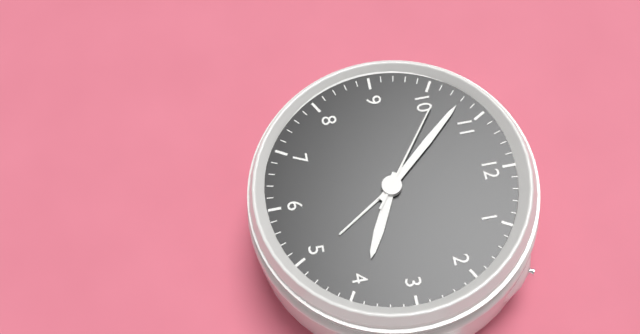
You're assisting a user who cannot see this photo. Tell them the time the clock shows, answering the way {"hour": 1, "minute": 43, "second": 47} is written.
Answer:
{"hour": 3, "minute": 53, "second": 51}
